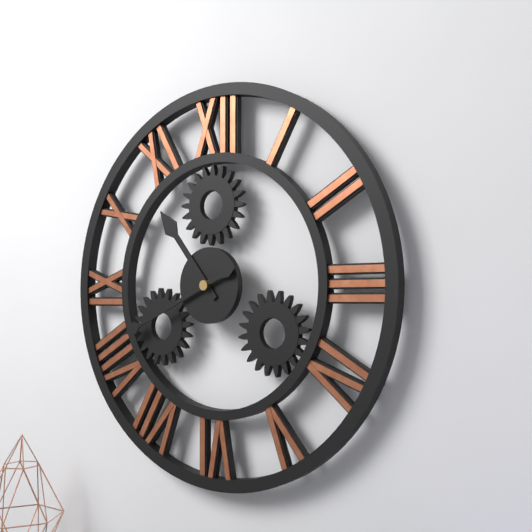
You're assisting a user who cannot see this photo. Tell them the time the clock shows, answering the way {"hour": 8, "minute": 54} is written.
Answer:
{"hour": 10, "minute": 41}
